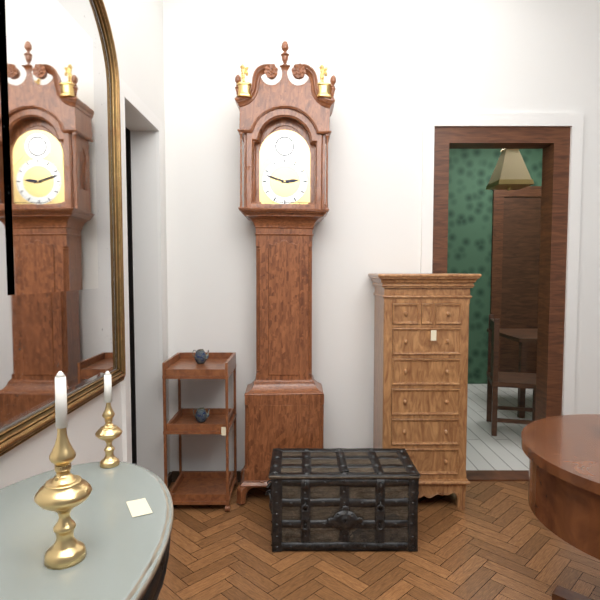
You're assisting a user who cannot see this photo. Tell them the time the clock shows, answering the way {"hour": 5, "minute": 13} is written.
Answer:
{"hour": 2, "minute": 48}
